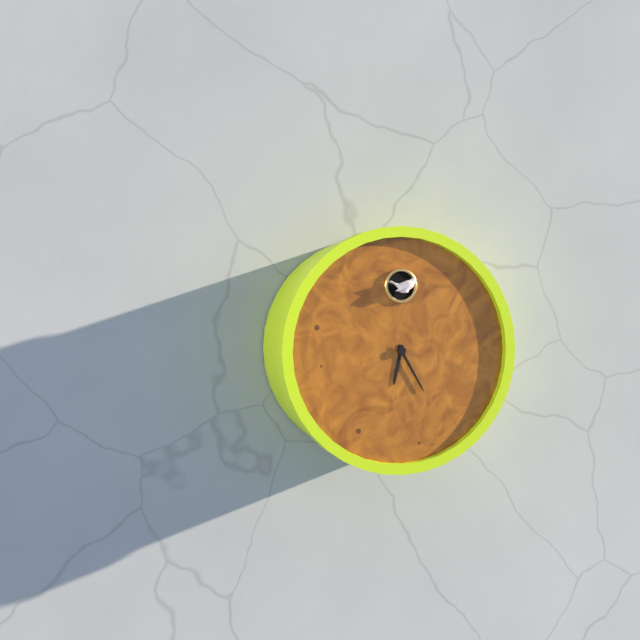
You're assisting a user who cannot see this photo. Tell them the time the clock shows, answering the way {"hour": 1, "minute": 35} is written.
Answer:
{"hour": 6, "minute": 25}
